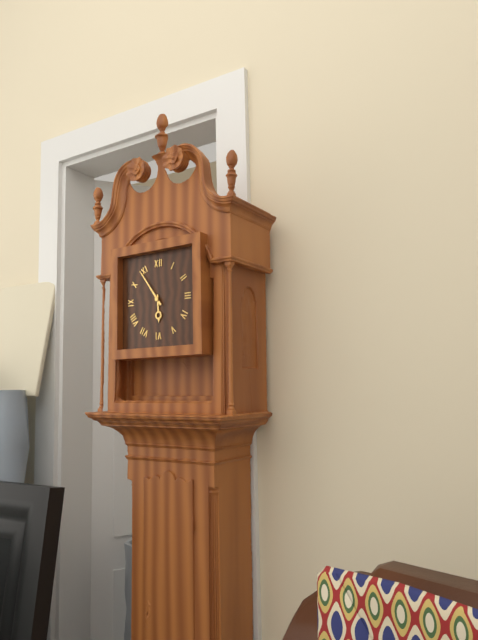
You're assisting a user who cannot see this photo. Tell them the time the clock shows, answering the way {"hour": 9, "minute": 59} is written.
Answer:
{"hour": 5, "minute": 54}
